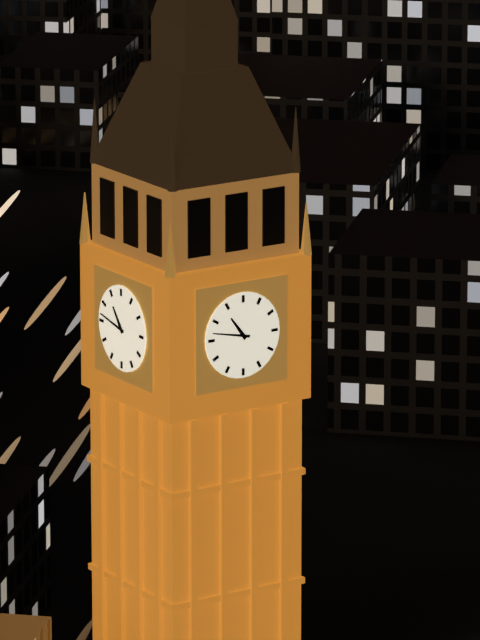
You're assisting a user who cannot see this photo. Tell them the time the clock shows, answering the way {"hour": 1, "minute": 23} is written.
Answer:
{"hour": 10, "minute": 47}
